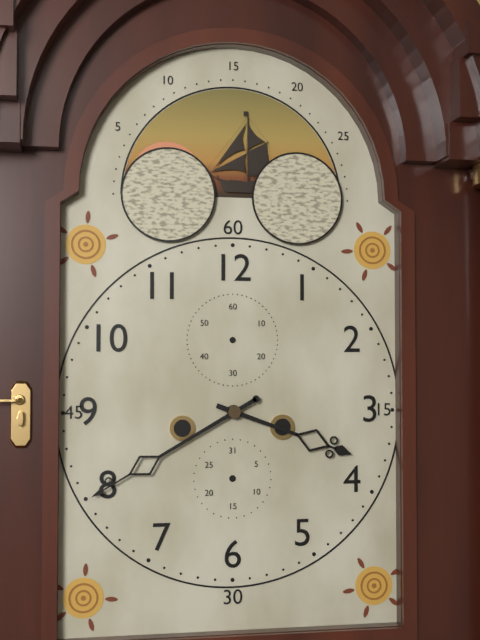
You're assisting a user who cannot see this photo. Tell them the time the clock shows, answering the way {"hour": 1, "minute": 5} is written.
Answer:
{"hour": 3, "minute": 40}
